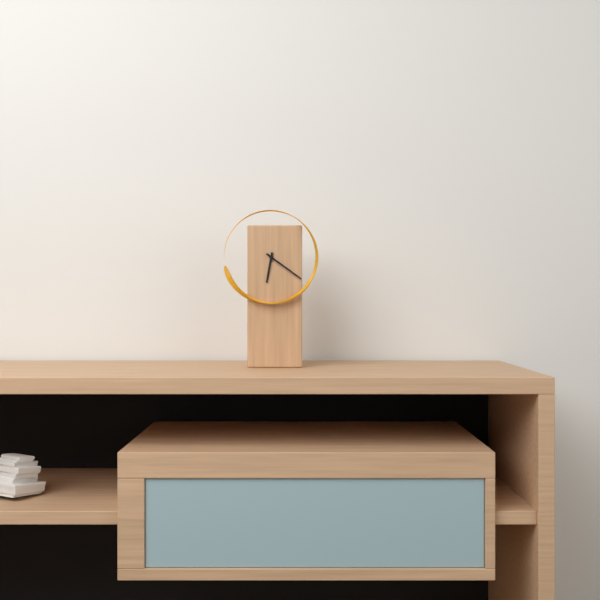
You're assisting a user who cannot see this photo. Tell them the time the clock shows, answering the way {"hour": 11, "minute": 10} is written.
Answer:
{"hour": 6, "minute": 21}
